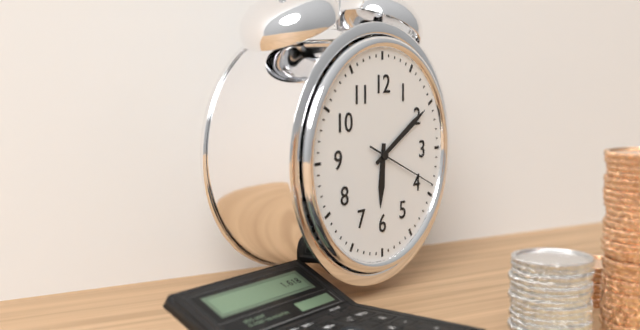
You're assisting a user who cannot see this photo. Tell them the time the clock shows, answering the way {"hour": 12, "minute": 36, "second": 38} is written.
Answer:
{"hour": 6, "minute": 10, "second": 19}
